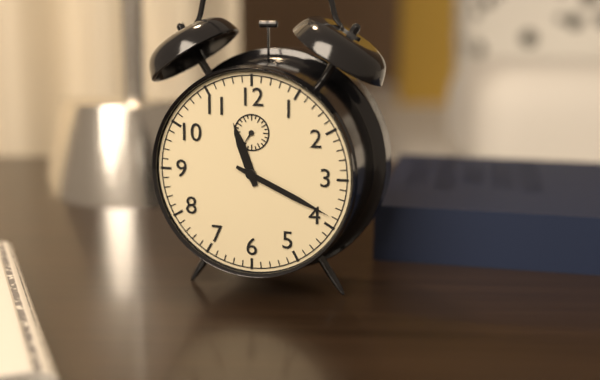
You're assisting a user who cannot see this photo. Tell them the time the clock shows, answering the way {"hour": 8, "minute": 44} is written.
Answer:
{"hour": 11, "minute": 19}
